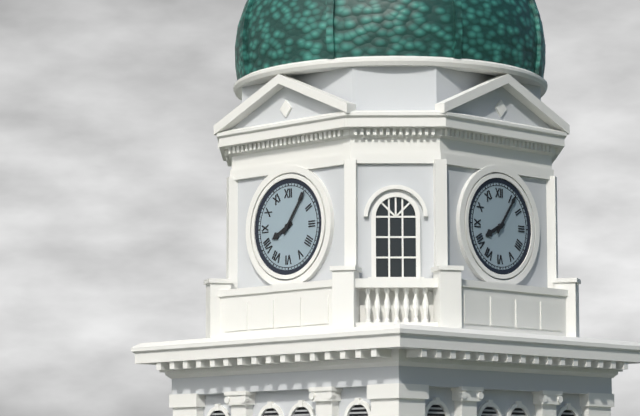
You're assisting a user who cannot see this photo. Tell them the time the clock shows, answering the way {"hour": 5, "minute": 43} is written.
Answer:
{"hour": 8, "minute": 6}
